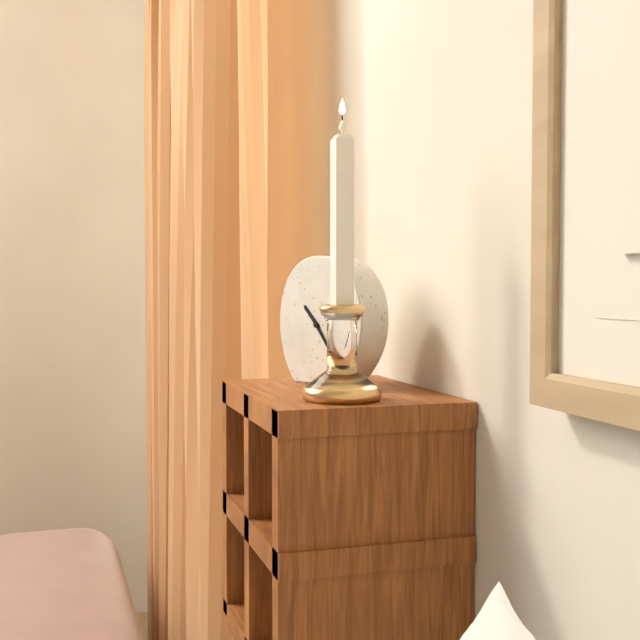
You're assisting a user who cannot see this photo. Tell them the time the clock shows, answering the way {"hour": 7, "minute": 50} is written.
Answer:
{"hour": 10, "minute": 23}
